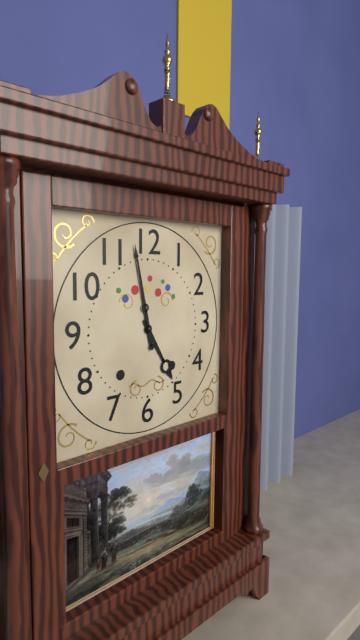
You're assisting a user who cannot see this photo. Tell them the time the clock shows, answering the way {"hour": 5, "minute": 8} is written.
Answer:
{"hour": 4, "minute": 58}
